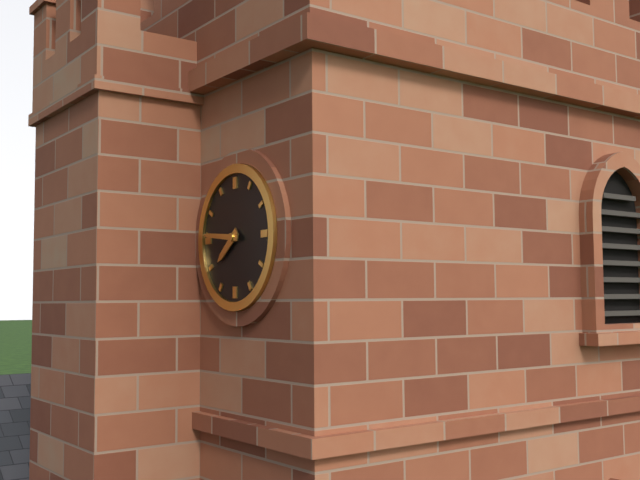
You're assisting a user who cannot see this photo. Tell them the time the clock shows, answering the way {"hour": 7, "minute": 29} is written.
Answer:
{"hour": 7, "minute": 46}
